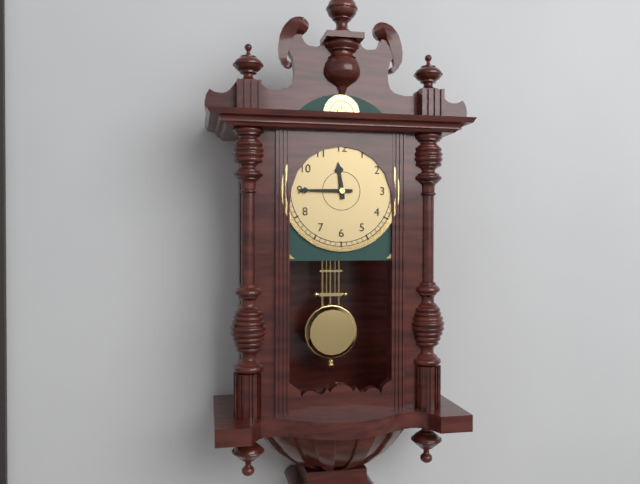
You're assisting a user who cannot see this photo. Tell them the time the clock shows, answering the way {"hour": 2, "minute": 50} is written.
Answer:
{"hour": 11, "minute": 45}
